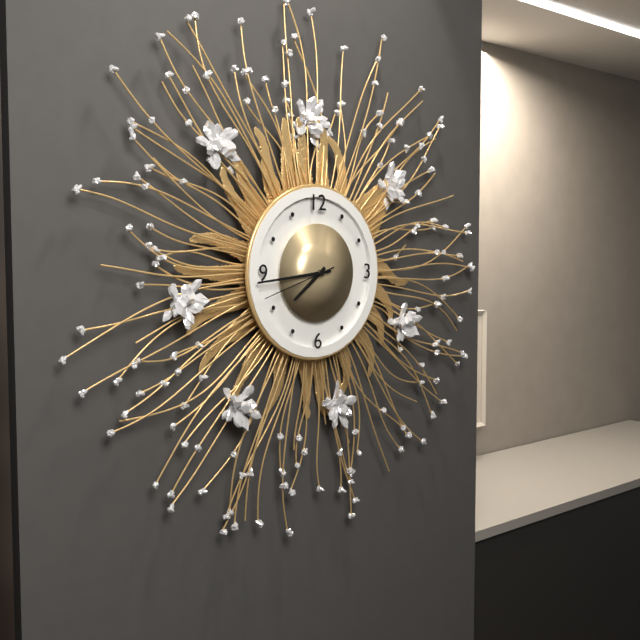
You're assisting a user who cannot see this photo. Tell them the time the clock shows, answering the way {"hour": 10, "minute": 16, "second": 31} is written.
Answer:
{"hour": 7, "minute": 44, "second": 42}
